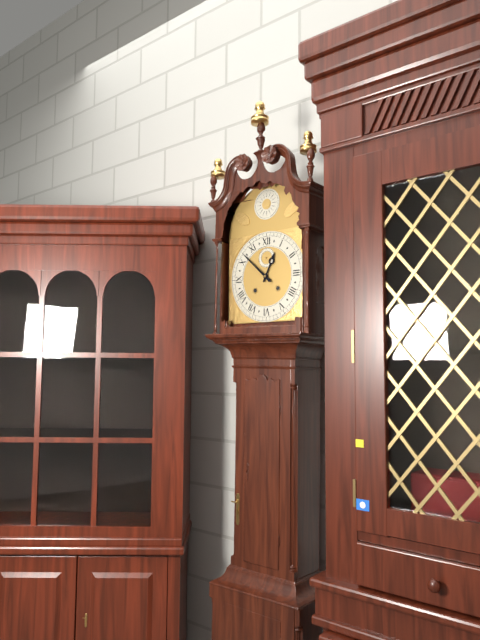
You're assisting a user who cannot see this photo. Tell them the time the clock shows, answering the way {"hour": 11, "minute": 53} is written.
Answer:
{"hour": 12, "minute": 52}
